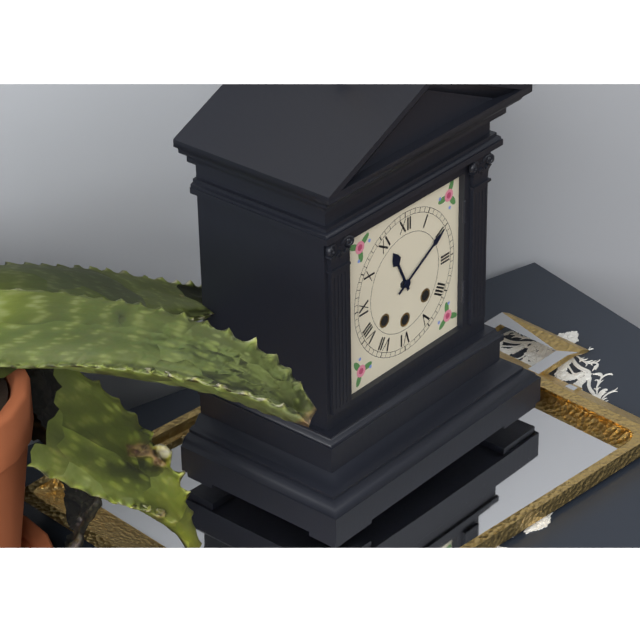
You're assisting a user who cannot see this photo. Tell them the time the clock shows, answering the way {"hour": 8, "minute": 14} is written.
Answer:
{"hour": 11, "minute": 10}
